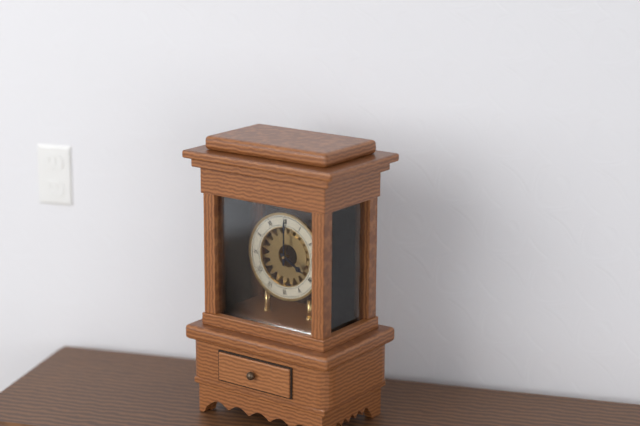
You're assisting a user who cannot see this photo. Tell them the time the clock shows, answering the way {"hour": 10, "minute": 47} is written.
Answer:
{"hour": 4, "minute": 0}
